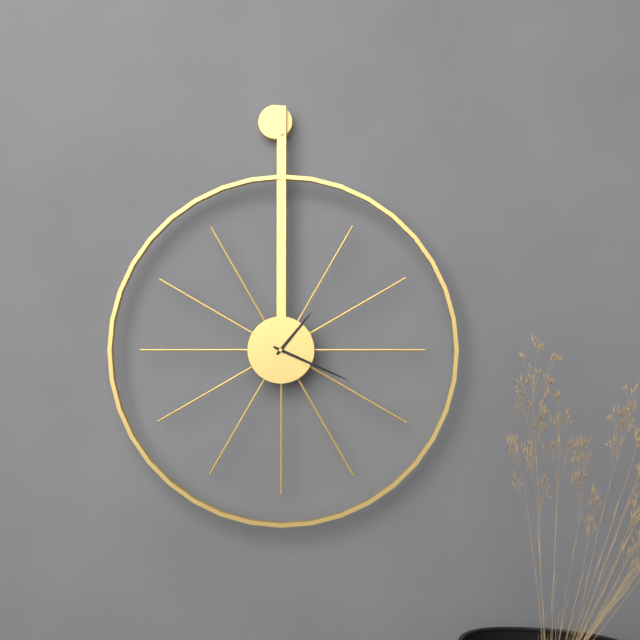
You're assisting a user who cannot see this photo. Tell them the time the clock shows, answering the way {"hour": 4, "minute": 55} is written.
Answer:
{"hour": 1, "minute": 19}
